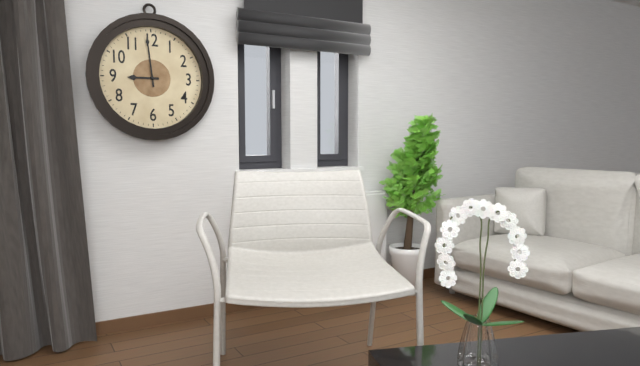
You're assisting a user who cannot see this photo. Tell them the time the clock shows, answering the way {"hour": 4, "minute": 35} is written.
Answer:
{"hour": 8, "minute": 59}
